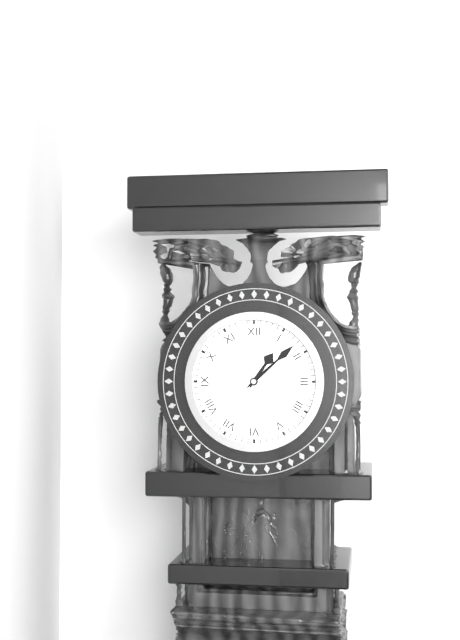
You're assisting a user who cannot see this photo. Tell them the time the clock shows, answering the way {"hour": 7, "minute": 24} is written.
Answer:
{"hour": 1, "minute": 8}
